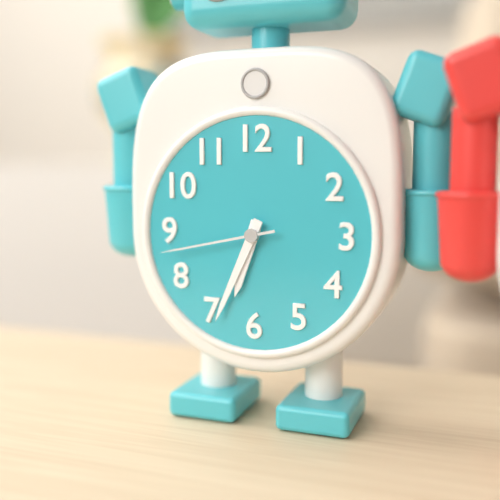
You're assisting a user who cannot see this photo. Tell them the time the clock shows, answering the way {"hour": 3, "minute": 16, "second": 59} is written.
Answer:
{"hour": 6, "minute": 34, "second": 43}
